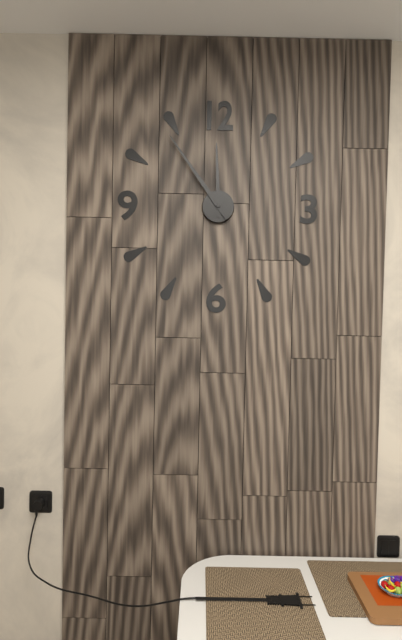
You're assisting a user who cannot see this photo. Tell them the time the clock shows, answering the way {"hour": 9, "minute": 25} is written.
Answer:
{"hour": 11, "minute": 54}
